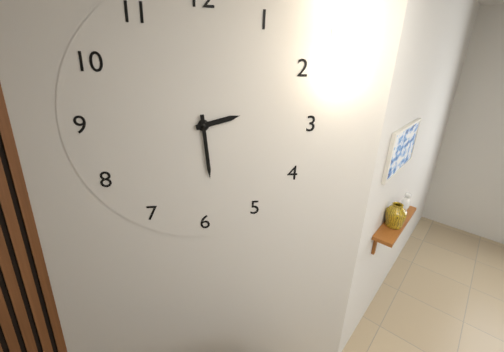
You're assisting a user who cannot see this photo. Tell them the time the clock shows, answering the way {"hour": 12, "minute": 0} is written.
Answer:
{"hour": 2, "minute": 29}
